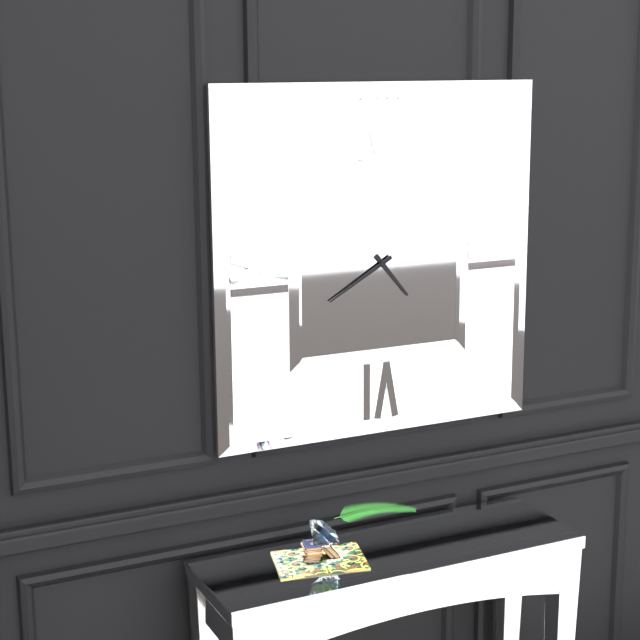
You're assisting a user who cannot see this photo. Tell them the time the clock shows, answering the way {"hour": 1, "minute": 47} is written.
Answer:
{"hour": 4, "minute": 40}
